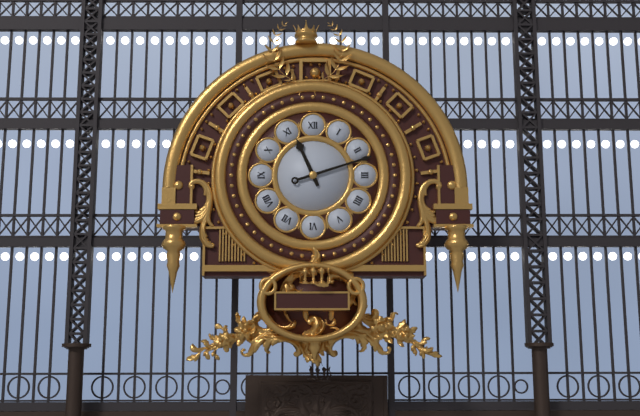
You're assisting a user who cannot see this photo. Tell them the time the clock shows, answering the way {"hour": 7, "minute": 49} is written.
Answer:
{"hour": 11, "minute": 12}
